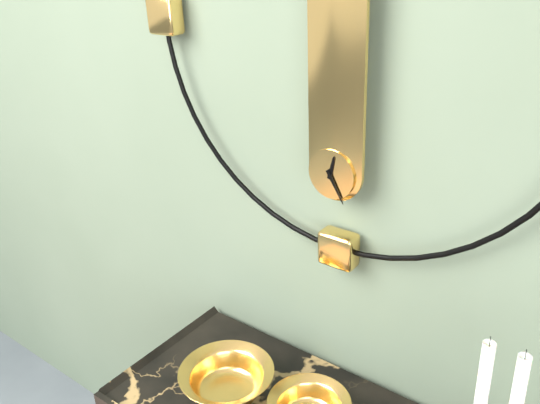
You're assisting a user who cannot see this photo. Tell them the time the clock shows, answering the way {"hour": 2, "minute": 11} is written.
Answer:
{"hour": 12, "minute": 25}
